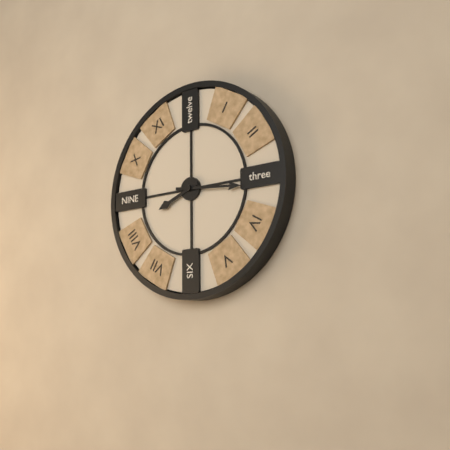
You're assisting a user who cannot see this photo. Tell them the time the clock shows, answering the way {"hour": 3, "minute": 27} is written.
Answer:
{"hour": 8, "minute": 16}
